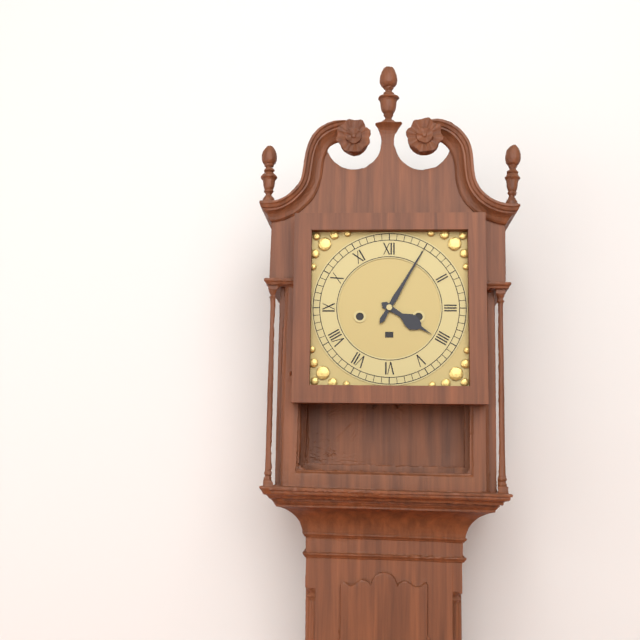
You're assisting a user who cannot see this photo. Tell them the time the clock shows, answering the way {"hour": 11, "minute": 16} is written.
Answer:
{"hour": 4, "minute": 5}
